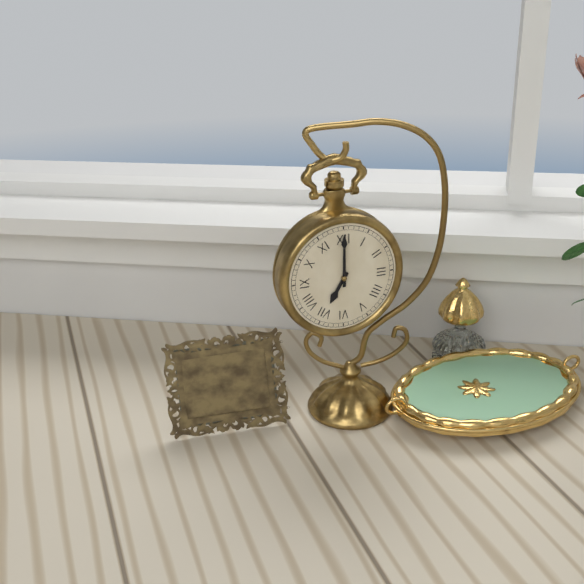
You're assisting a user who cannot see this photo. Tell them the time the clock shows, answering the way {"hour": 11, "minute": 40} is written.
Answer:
{"hour": 7, "minute": 0}
